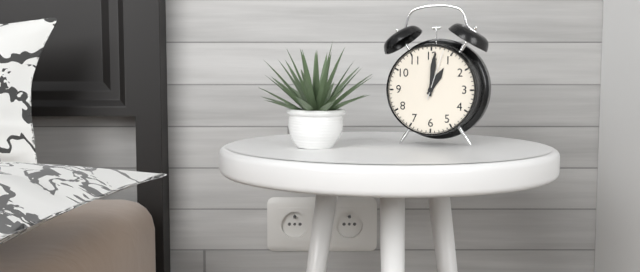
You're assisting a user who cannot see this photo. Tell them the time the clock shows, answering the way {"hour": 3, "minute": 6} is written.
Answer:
{"hour": 1, "minute": 1}
